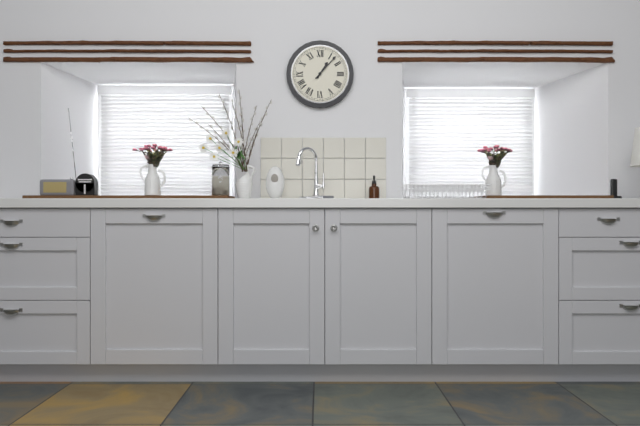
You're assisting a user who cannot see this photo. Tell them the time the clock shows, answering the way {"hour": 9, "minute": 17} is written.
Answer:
{"hour": 1, "minute": 7}
